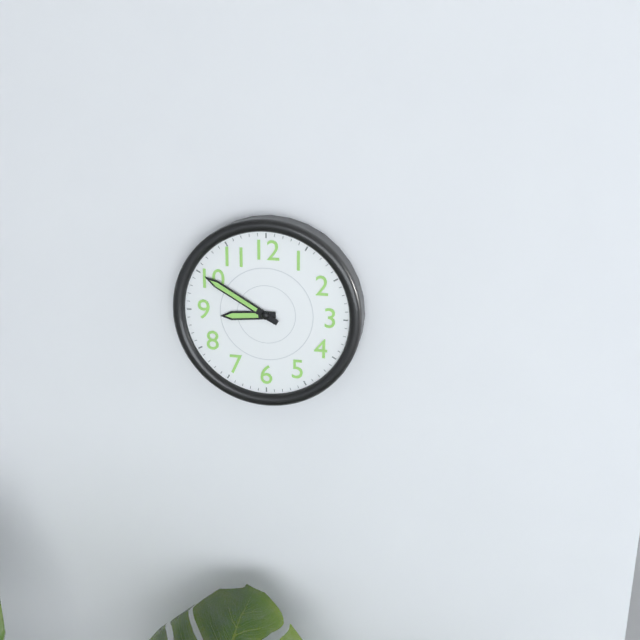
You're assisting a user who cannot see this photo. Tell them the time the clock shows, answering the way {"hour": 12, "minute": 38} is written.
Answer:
{"hour": 8, "minute": 50}
